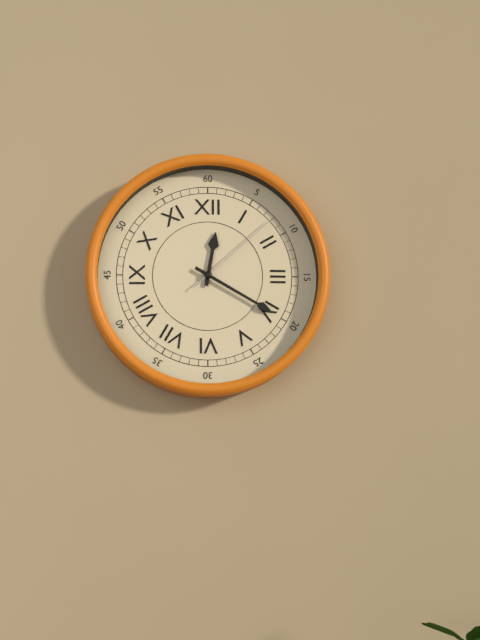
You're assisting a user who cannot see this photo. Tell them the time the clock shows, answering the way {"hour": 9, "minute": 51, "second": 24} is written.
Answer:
{"hour": 12, "minute": 20, "second": 8}
